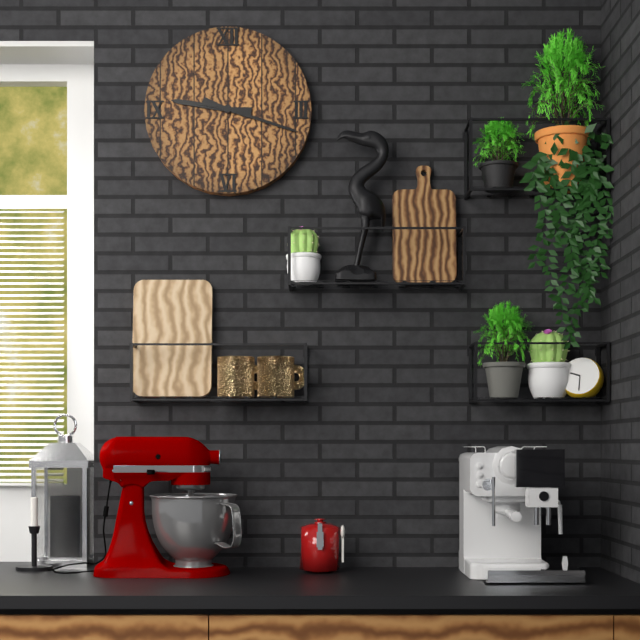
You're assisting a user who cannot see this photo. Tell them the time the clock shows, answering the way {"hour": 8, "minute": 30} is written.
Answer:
{"hour": 9, "minute": 18}
